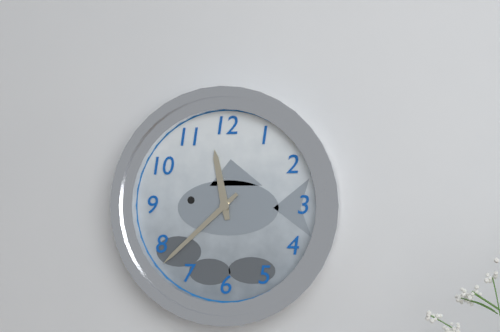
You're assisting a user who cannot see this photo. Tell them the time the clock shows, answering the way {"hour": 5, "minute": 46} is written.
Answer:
{"hour": 11, "minute": 38}
